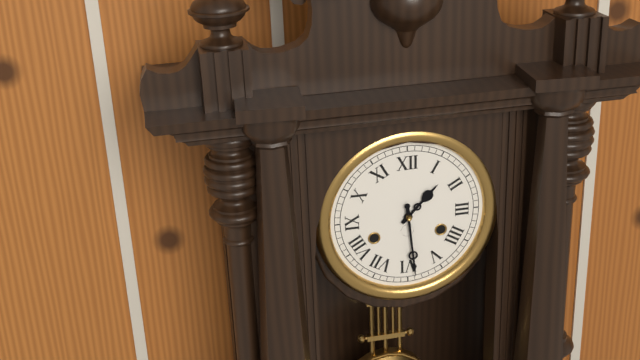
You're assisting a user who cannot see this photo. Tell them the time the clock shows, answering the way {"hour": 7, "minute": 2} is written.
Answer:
{"hour": 1, "minute": 29}
